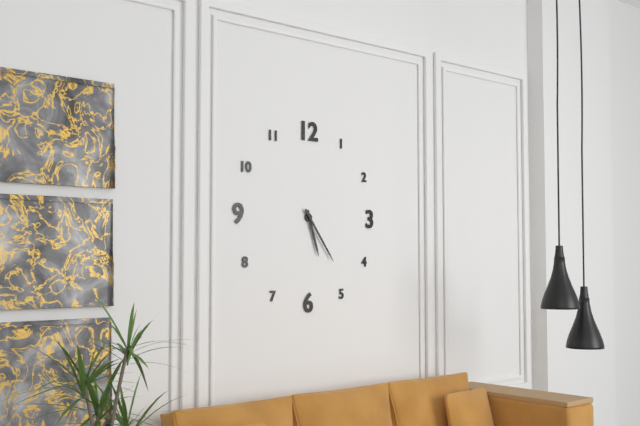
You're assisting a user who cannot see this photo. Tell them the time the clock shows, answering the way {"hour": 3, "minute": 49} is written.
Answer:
{"hour": 5, "minute": 24}
